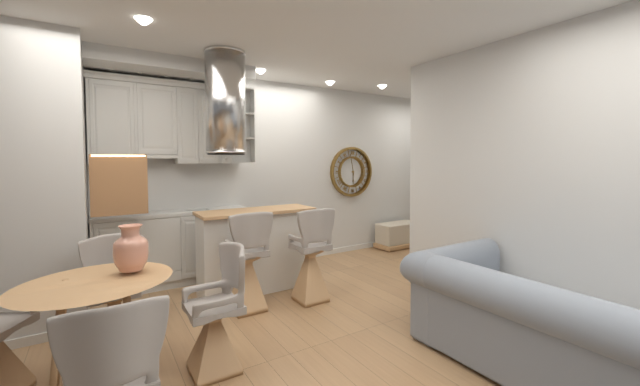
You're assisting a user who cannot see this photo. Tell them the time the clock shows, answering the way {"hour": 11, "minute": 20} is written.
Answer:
{"hour": 5, "minute": 58}
